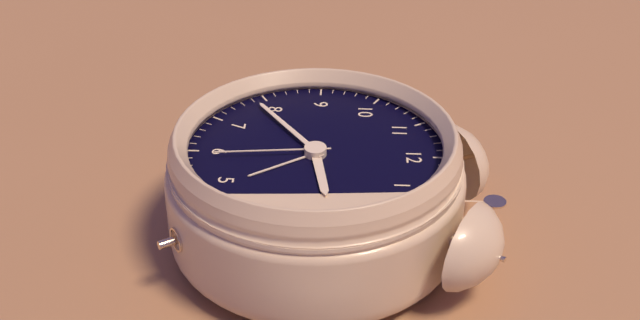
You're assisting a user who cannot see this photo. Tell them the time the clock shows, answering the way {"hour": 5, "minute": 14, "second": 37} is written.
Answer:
{"hour": 2, "minute": 39, "second": 29}
